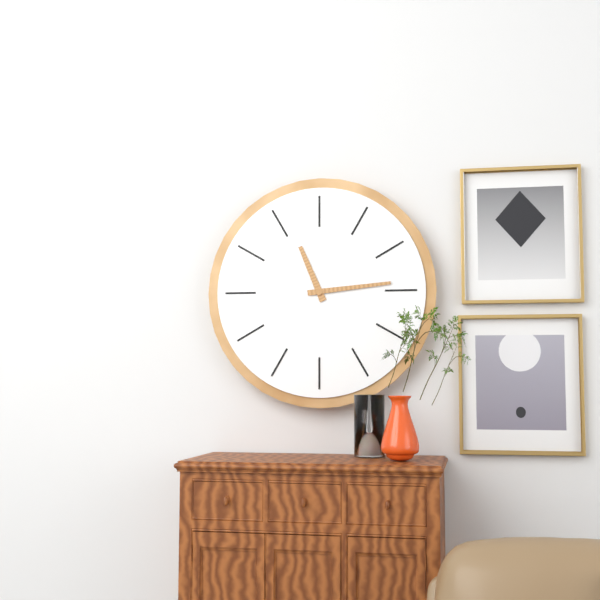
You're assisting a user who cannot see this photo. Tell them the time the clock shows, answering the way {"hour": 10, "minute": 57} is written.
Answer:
{"hour": 11, "minute": 14}
